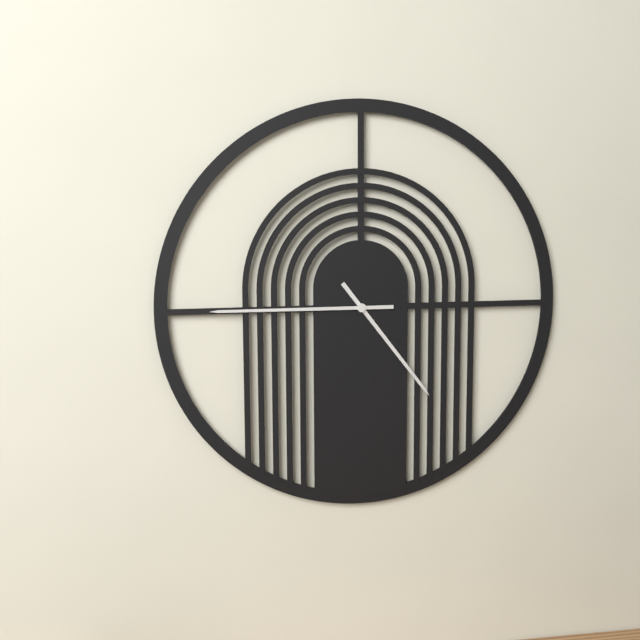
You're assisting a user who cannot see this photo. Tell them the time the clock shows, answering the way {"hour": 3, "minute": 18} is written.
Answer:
{"hour": 4, "minute": 45}
